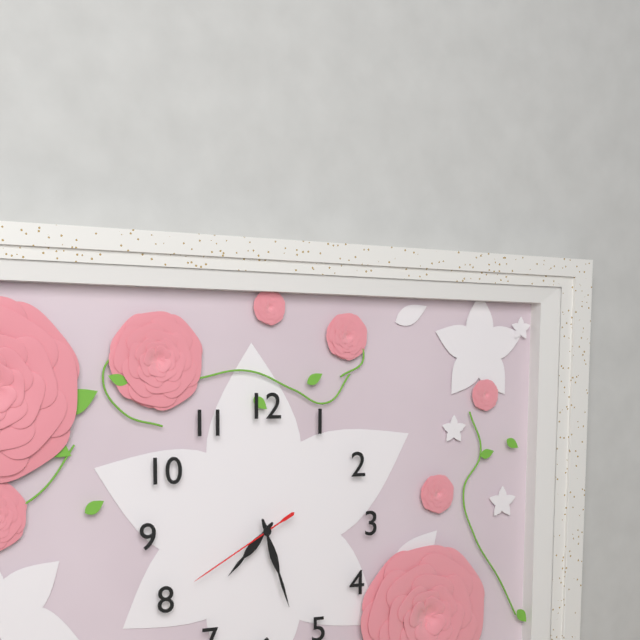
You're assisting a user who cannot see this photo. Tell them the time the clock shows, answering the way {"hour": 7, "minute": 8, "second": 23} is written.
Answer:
{"hour": 7, "minute": 27, "second": 40}
